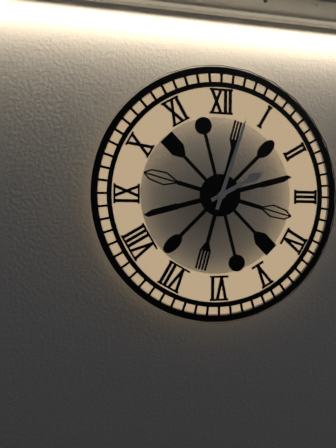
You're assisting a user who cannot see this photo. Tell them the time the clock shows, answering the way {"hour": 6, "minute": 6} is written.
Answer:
{"hour": 2, "minute": 3}
